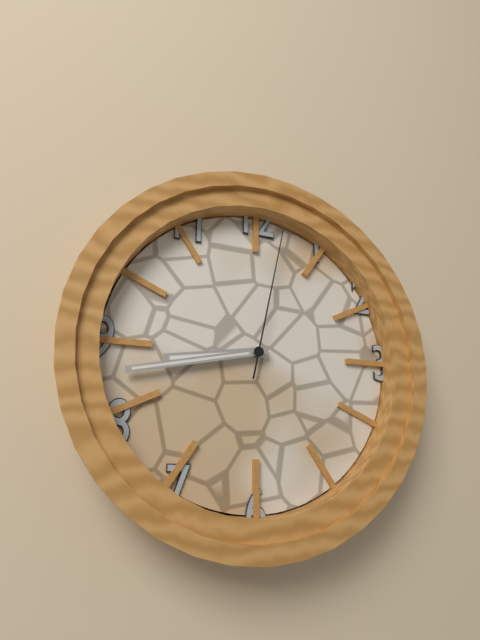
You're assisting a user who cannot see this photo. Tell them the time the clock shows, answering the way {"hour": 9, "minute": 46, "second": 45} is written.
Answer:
{"hour": 8, "minute": 43, "second": 2}
